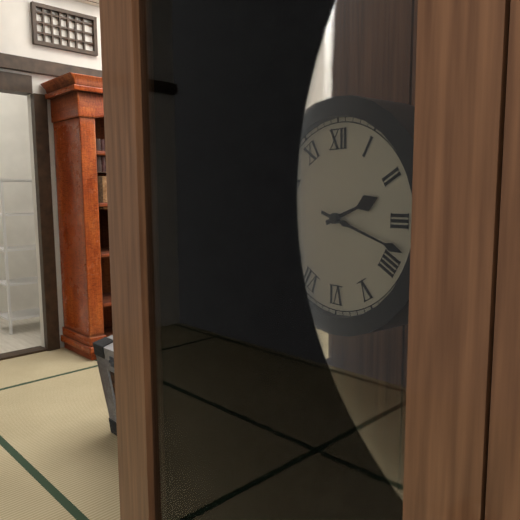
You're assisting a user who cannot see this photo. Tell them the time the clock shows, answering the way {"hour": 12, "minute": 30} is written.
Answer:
{"hour": 2, "minute": 18}
